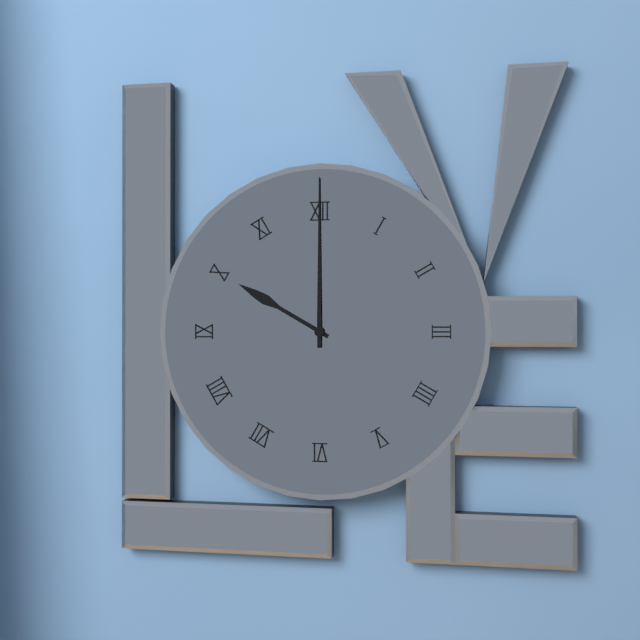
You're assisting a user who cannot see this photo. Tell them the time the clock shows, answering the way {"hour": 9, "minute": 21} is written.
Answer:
{"hour": 10, "minute": 0}
